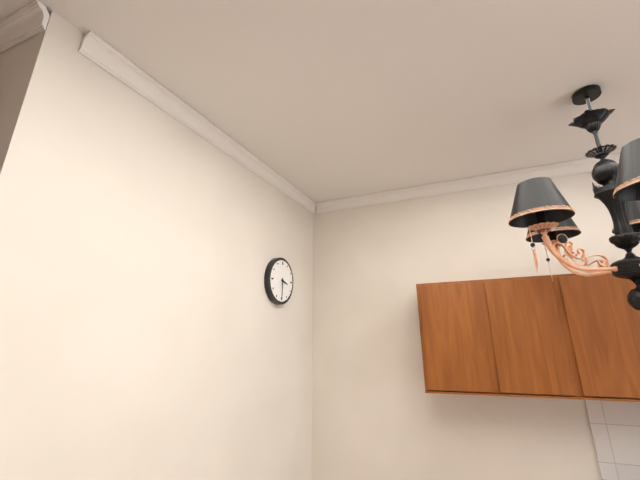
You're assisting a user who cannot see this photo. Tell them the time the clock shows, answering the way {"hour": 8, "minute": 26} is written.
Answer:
{"hour": 3, "minute": 30}
